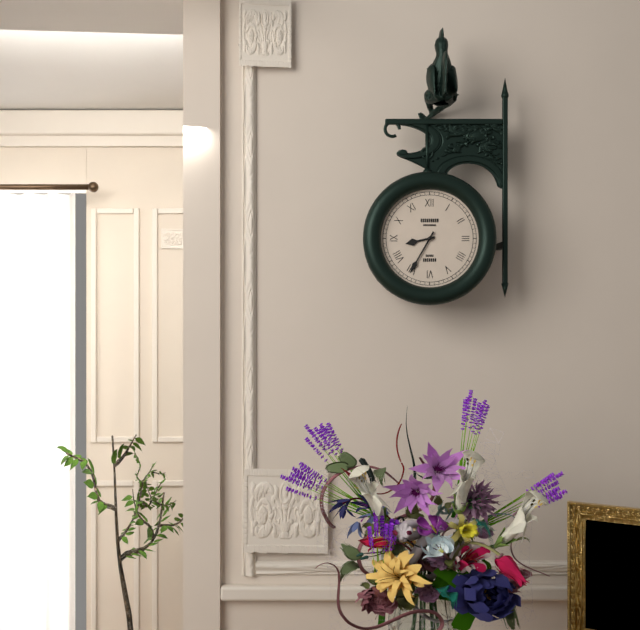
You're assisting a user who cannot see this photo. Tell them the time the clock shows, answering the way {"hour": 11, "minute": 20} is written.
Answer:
{"hour": 8, "minute": 35}
